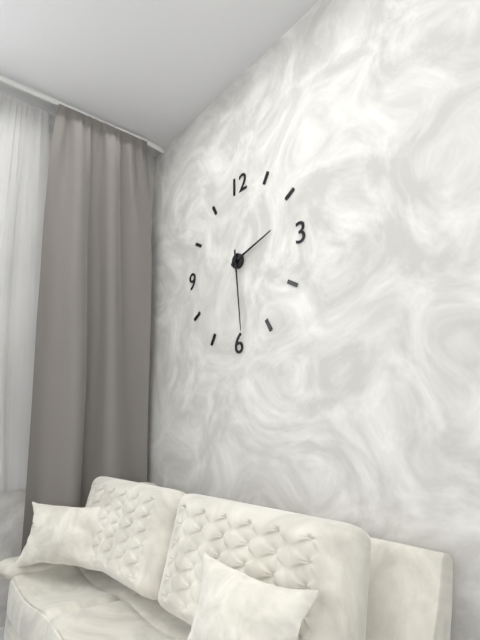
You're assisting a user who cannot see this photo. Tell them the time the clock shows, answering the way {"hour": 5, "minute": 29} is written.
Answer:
{"hour": 2, "minute": 29}
